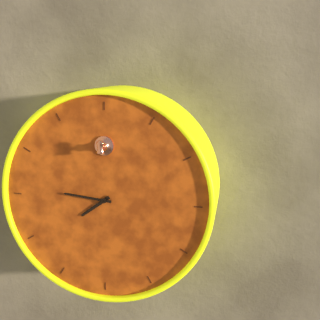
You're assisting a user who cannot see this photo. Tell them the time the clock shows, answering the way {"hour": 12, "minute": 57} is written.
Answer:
{"hour": 7, "minute": 46}
